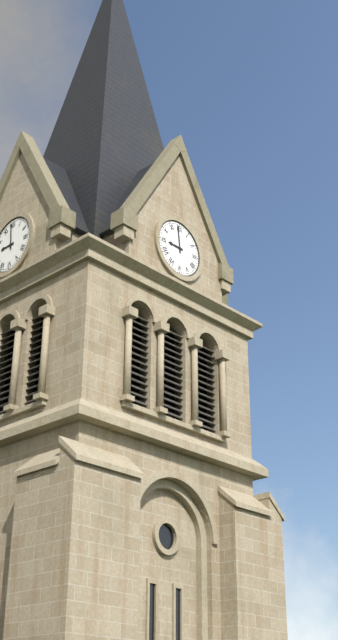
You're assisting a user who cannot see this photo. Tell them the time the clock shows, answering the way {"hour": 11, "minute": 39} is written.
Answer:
{"hour": 8, "minute": 59}
